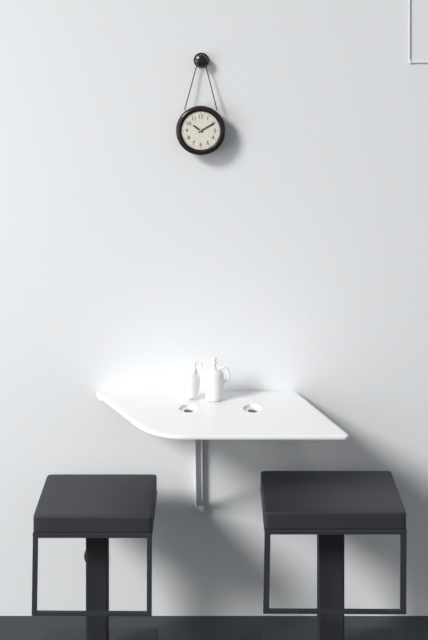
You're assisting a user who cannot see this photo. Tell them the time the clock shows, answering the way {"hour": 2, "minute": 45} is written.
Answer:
{"hour": 10, "minute": 10}
